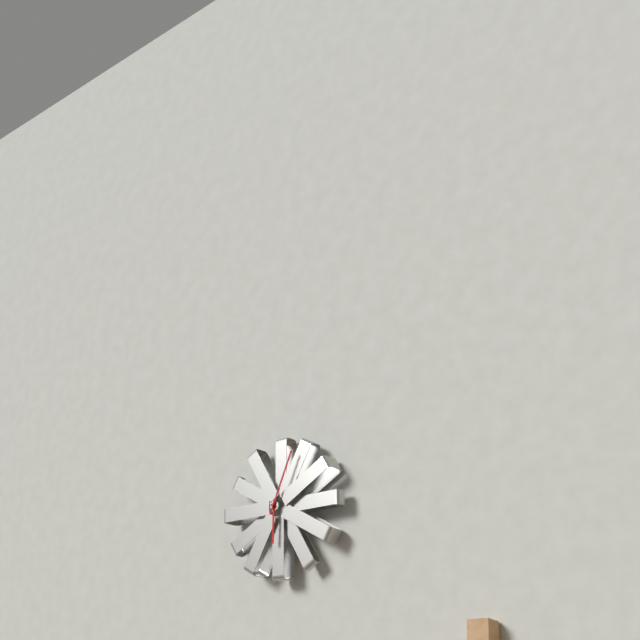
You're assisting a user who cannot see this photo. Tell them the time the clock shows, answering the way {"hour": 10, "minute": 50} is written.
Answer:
{"hour": 6, "minute": 4}
